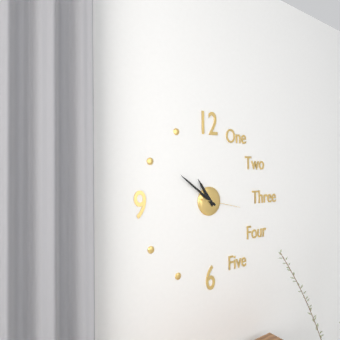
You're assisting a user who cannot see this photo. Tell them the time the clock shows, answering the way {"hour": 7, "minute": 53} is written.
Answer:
{"hour": 10, "minute": 51}
